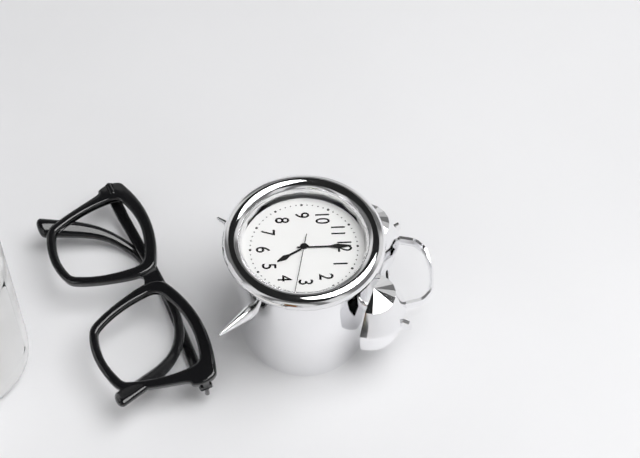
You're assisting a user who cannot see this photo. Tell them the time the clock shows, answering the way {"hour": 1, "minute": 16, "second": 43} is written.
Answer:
{"hour": 5, "minute": 0, "second": 17}
